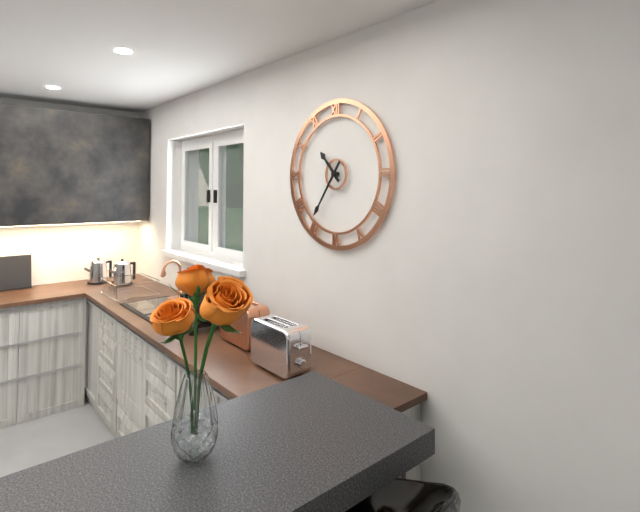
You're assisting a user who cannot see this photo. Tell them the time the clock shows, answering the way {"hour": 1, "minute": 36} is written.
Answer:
{"hour": 10, "minute": 36}
